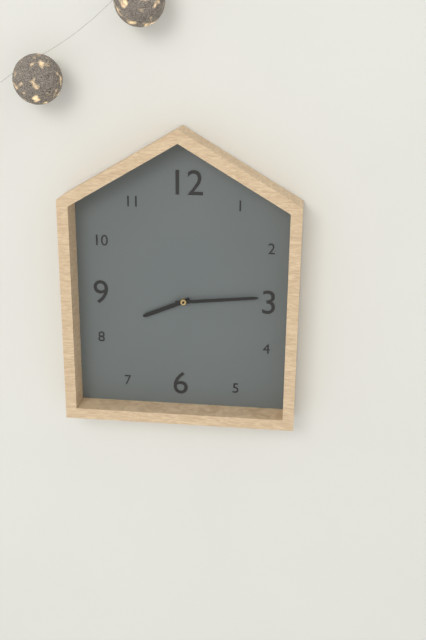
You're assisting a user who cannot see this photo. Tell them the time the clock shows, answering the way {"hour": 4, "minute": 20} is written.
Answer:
{"hour": 8, "minute": 14}
